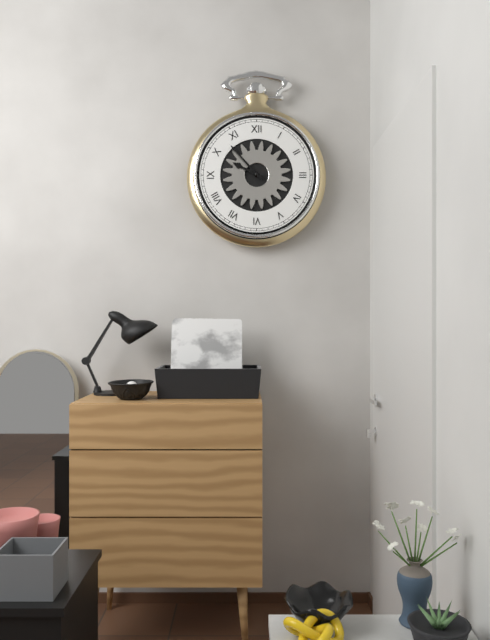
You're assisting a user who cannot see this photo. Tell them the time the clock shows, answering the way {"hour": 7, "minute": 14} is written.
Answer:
{"hour": 9, "minute": 53}
